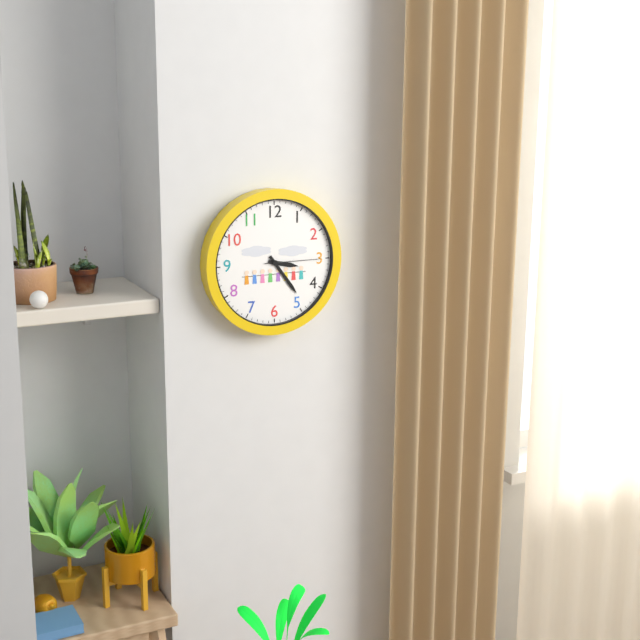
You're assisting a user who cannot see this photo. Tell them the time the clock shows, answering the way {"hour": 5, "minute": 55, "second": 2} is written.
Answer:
{"hour": 3, "minute": 24, "second": 15}
